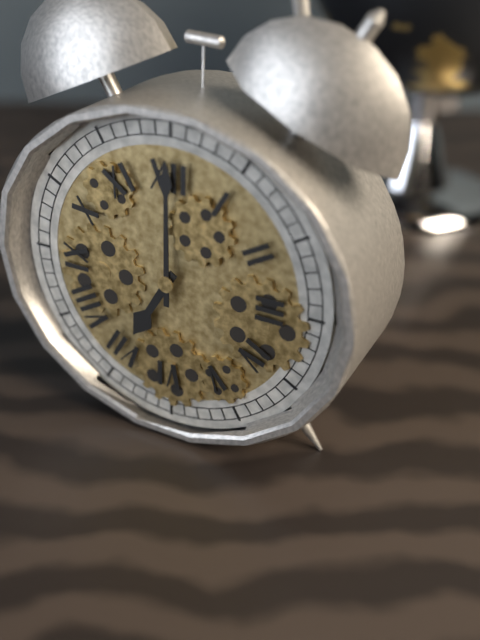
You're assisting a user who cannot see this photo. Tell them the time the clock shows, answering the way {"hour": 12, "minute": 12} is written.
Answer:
{"hour": 7, "minute": 0}
